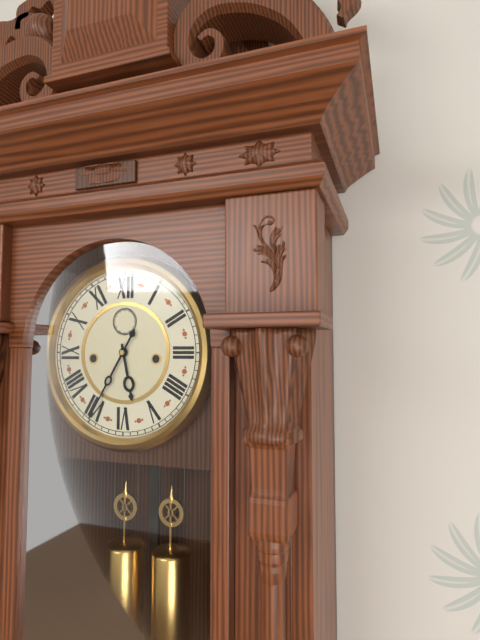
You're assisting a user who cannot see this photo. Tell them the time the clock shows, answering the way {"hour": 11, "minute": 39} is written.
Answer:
{"hour": 5, "minute": 35}
